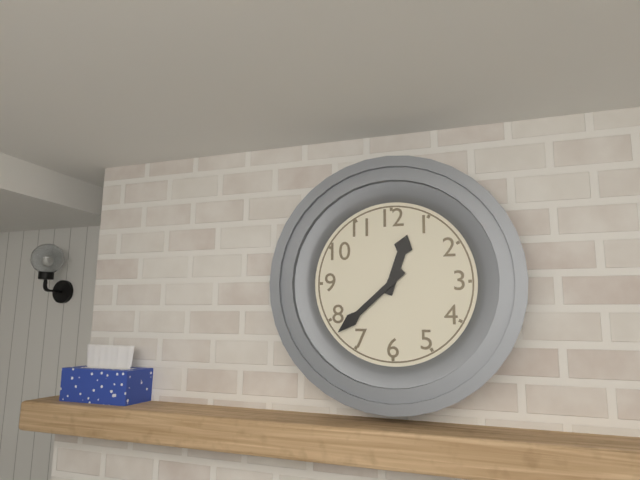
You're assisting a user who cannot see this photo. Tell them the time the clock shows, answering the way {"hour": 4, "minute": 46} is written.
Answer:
{"hour": 12, "minute": 38}
